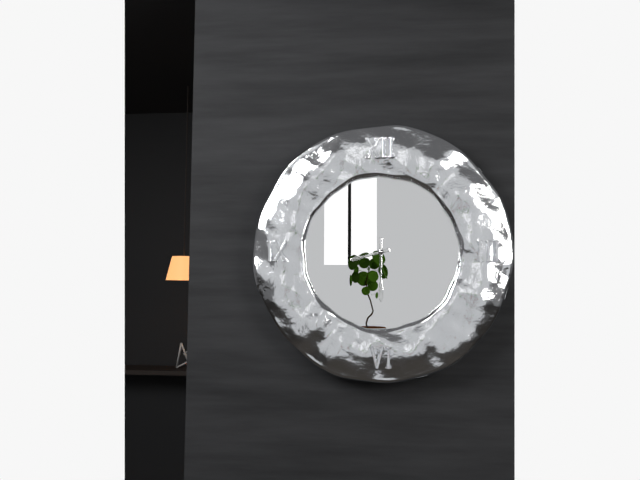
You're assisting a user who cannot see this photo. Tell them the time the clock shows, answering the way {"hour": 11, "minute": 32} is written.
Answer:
{"hour": 8, "minute": 30}
